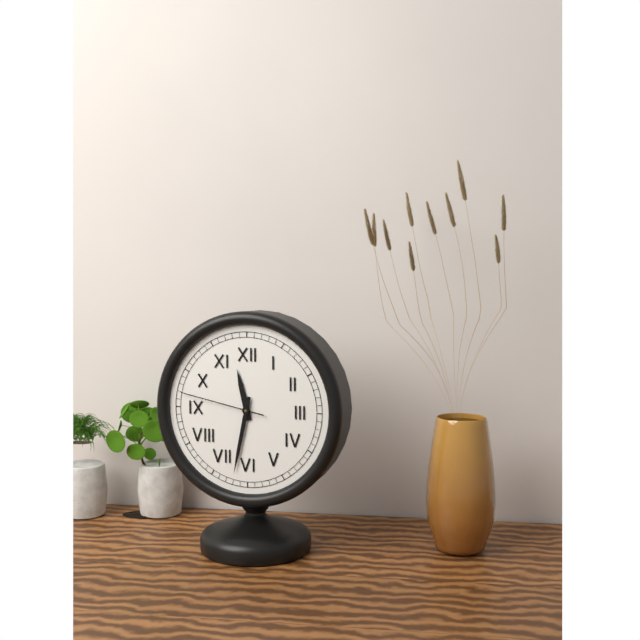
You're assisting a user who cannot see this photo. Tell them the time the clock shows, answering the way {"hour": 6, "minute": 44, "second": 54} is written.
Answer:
{"hour": 11, "minute": 32, "second": 47}
